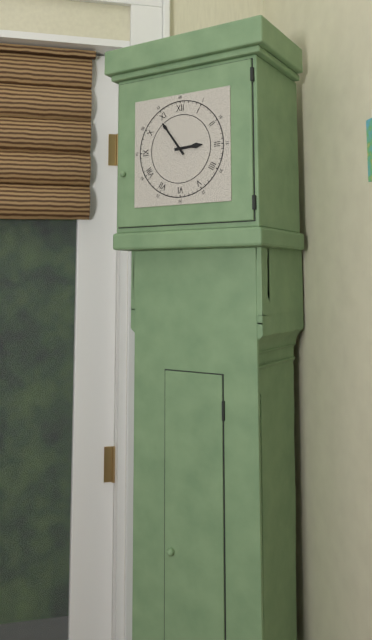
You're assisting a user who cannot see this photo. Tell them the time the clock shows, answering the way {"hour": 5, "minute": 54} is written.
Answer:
{"hour": 2, "minute": 54}
